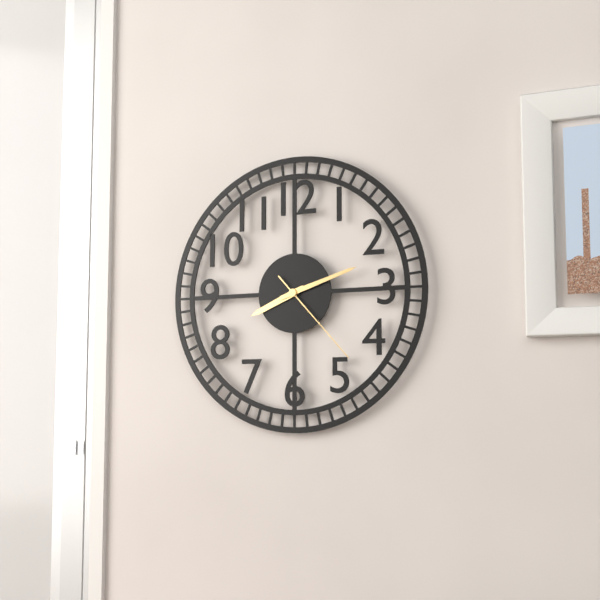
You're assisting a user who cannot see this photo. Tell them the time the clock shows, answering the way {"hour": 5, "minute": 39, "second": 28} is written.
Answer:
{"hour": 8, "minute": 12, "second": 23}
